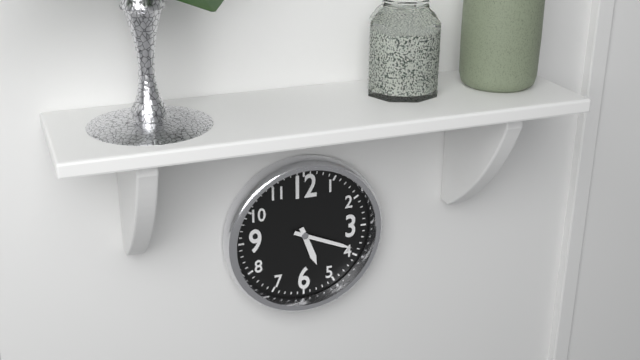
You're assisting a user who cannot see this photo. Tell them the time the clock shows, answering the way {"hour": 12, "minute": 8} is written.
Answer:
{"hour": 5, "minute": 19}
